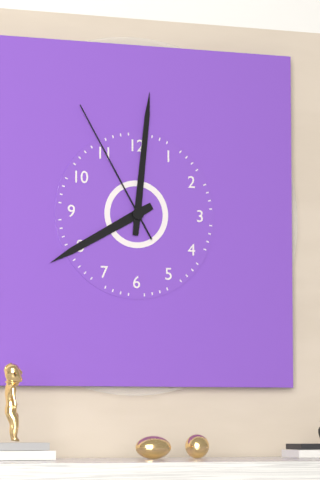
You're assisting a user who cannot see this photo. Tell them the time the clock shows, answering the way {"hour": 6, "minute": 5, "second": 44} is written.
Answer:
{"hour": 8, "minute": 1, "second": 55}
